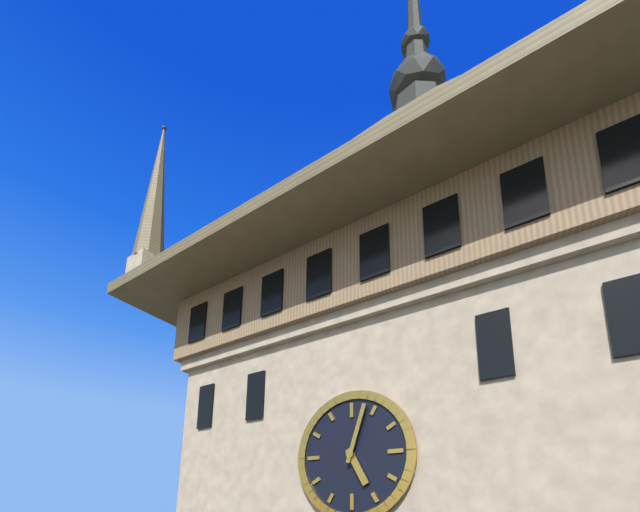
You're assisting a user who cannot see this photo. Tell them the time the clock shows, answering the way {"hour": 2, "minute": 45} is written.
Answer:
{"hour": 5, "minute": 3}
